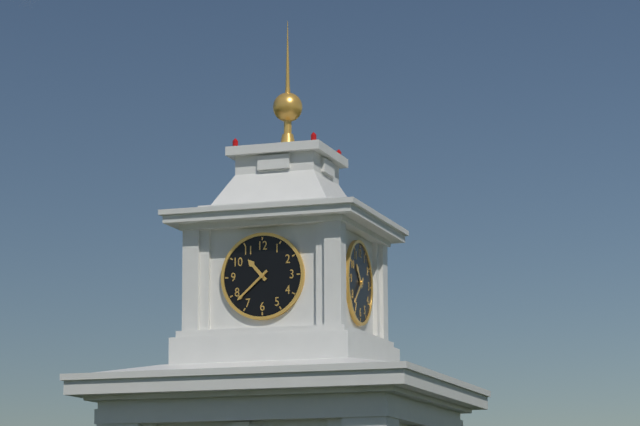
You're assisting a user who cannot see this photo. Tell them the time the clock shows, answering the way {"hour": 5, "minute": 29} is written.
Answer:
{"hour": 10, "minute": 38}
